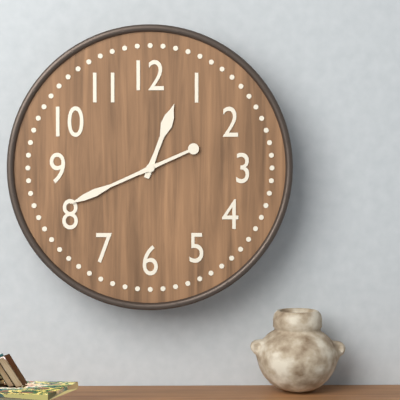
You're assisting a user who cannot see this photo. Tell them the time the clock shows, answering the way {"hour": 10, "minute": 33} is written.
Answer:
{"hour": 12, "minute": 41}
